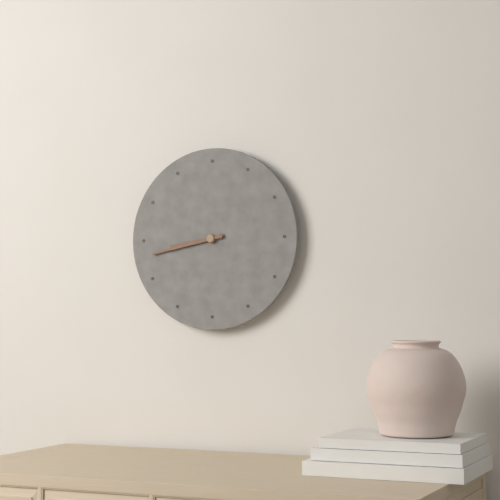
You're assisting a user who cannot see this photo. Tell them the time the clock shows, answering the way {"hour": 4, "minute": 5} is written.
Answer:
{"hour": 8, "minute": 43}
